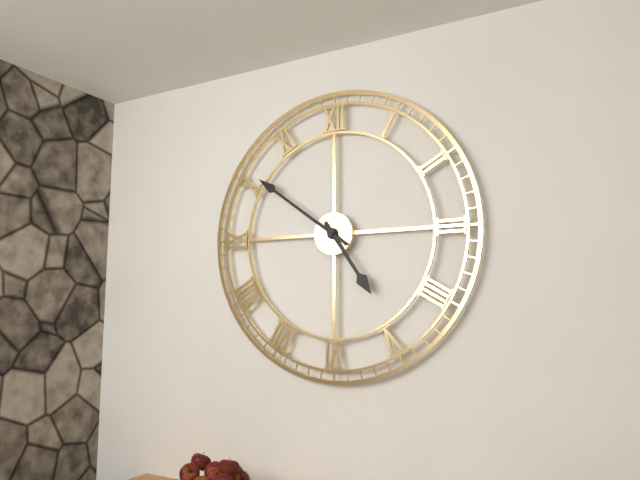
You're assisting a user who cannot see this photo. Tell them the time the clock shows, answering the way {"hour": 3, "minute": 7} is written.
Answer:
{"hour": 4, "minute": 51}
